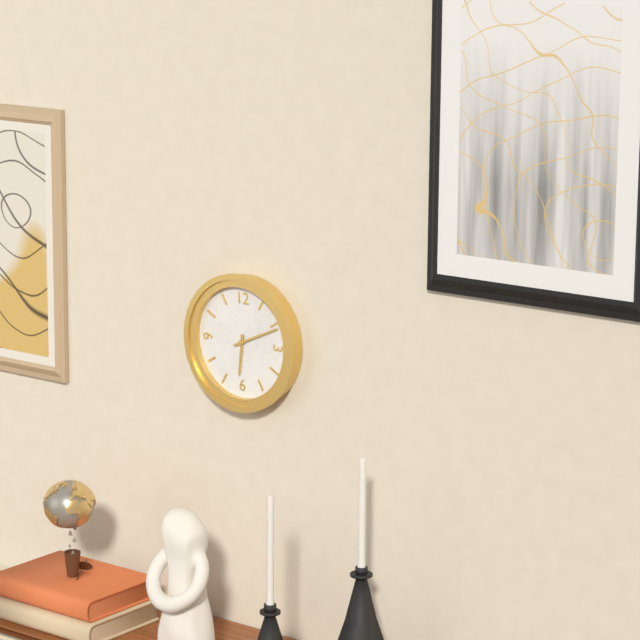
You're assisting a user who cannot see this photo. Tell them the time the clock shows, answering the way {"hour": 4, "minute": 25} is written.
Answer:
{"hour": 6, "minute": 11}
